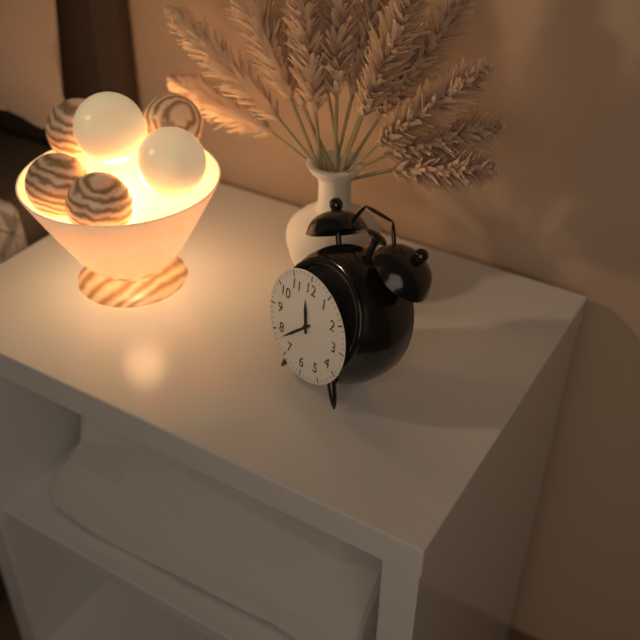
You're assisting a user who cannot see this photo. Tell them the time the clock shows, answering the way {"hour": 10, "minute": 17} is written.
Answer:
{"hour": 11, "minute": 38}
